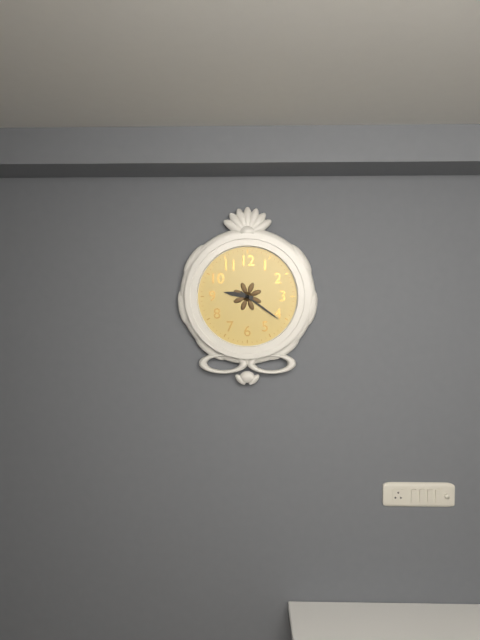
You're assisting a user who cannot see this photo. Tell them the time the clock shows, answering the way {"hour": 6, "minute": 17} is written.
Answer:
{"hour": 9, "minute": 21}
